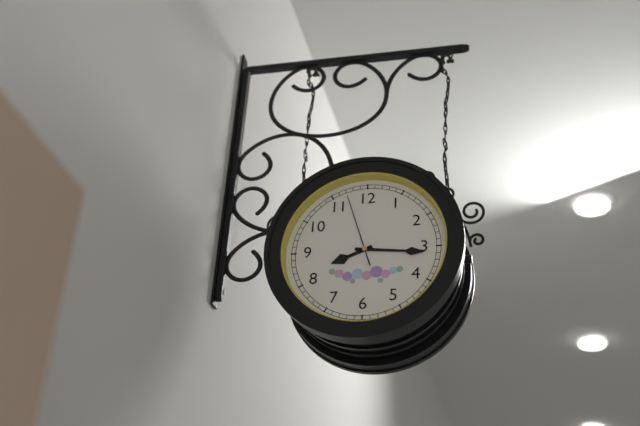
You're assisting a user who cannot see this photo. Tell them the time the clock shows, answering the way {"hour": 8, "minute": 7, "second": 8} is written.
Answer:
{"hour": 8, "minute": 16, "second": 57}
